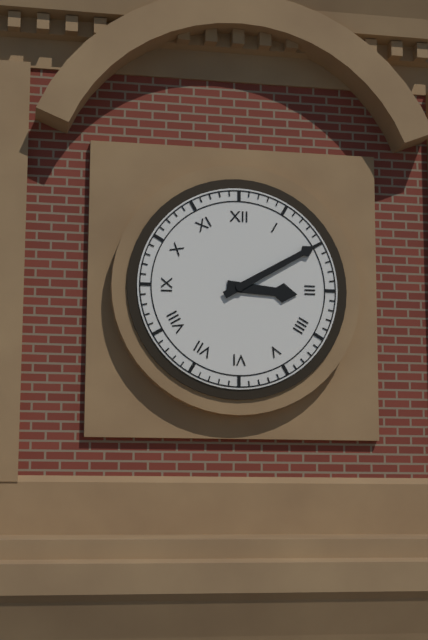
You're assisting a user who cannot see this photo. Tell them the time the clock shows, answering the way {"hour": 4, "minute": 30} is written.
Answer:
{"hour": 3, "minute": 10}
